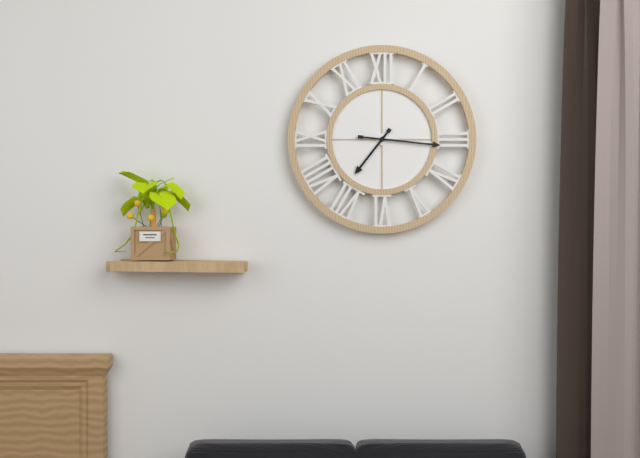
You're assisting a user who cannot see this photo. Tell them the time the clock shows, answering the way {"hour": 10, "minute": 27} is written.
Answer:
{"hour": 7, "minute": 16}
